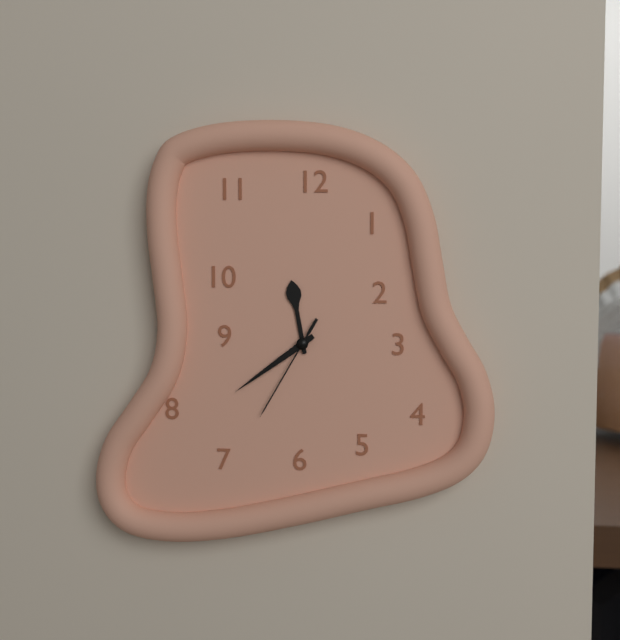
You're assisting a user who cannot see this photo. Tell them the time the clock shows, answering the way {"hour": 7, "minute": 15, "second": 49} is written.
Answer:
{"hour": 11, "minute": 39, "second": 35}
